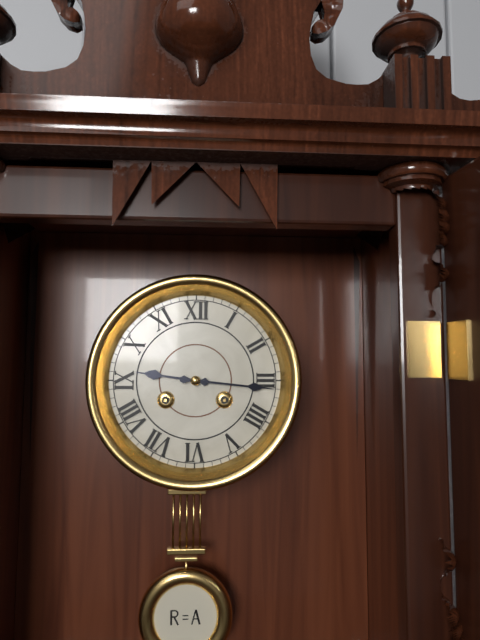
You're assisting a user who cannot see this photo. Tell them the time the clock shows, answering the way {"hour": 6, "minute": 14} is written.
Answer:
{"hour": 9, "minute": 16}
